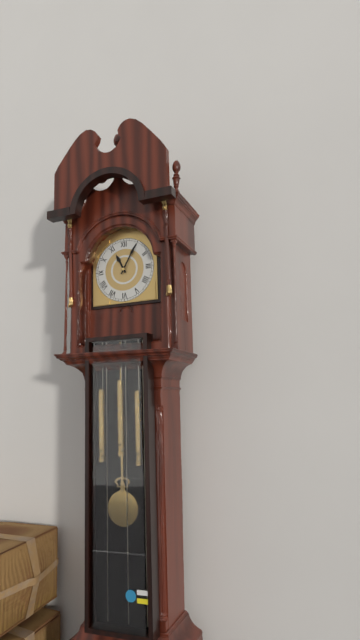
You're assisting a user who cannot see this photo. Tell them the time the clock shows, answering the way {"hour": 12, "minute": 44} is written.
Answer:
{"hour": 11, "minute": 5}
